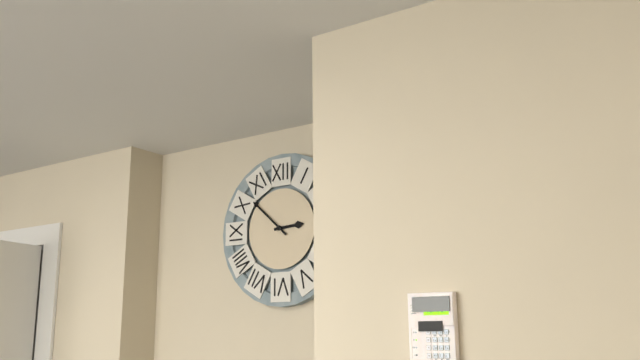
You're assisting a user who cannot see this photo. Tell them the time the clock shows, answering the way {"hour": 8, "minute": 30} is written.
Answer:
{"hour": 2, "minute": 52}
